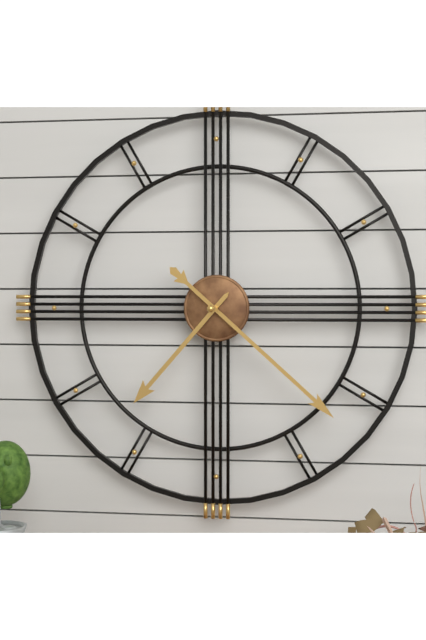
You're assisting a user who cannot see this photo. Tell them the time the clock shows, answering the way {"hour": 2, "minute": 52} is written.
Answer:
{"hour": 7, "minute": 22}
